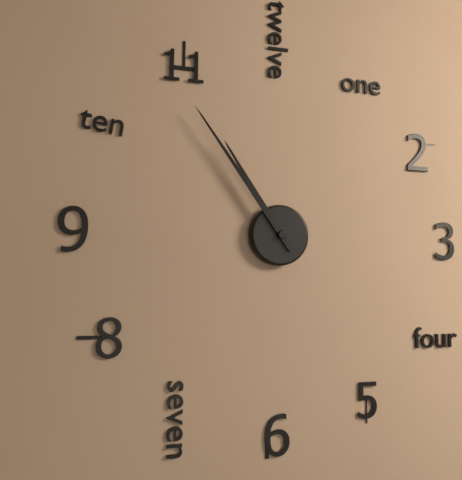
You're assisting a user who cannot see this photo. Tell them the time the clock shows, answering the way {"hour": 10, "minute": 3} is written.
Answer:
{"hour": 10, "minute": 54}
